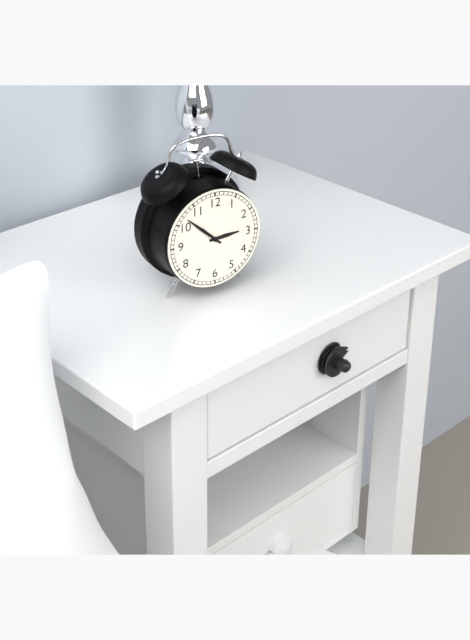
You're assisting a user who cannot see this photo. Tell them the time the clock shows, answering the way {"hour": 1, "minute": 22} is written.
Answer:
{"hour": 2, "minute": 52}
